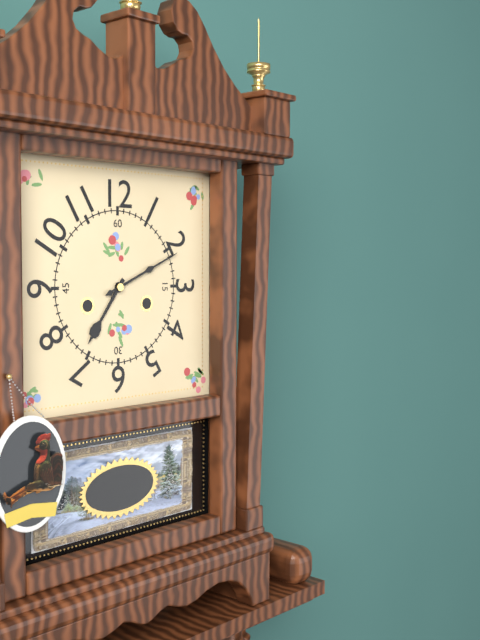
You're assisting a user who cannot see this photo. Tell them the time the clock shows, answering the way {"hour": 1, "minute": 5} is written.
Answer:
{"hour": 7, "minute": 11}
